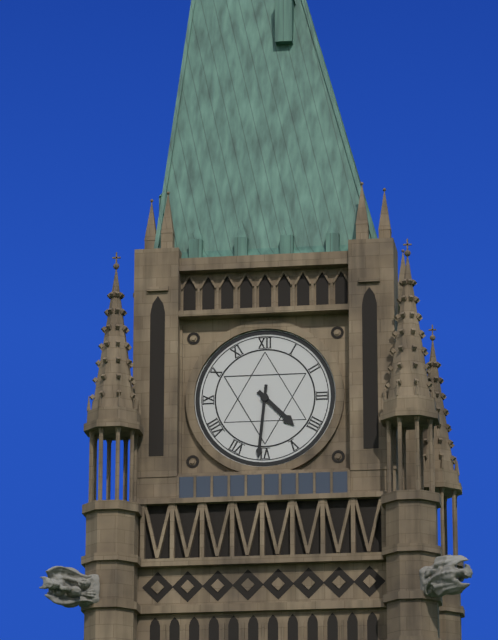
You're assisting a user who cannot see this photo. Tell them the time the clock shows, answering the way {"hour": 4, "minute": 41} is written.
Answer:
{"hour": 4, "minute": 31}
